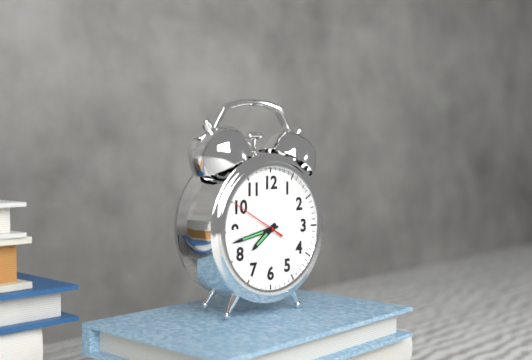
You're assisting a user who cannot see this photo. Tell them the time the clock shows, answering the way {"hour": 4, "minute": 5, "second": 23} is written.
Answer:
{"hour": 7, "minute": 43, "second": 50}
